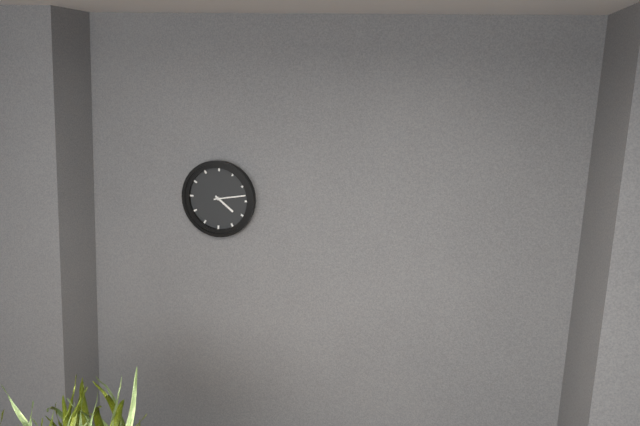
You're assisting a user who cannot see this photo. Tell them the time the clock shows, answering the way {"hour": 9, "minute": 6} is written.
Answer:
{"hour": 4, "minute": 13}
